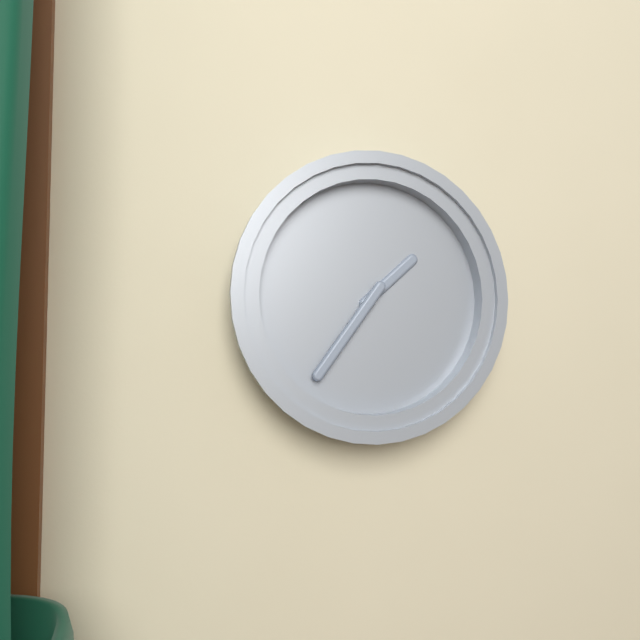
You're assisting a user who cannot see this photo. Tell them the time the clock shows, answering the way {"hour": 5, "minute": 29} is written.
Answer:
{"hour": 1, "minute": 36}
